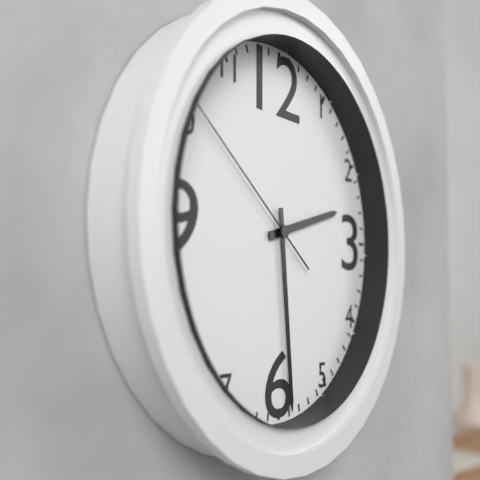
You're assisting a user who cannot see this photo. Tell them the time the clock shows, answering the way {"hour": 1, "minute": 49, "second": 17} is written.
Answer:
{"hour": 2, "minute": 29, "second": 51}
